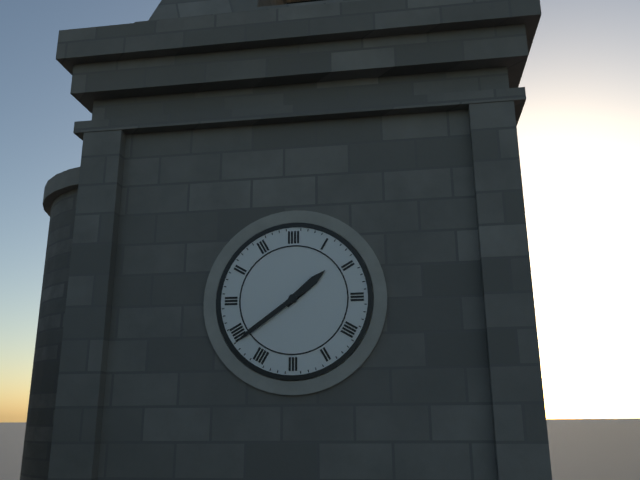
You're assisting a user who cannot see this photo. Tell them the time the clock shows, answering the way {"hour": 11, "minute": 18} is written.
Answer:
{"hour": 1, "minute": 39}
